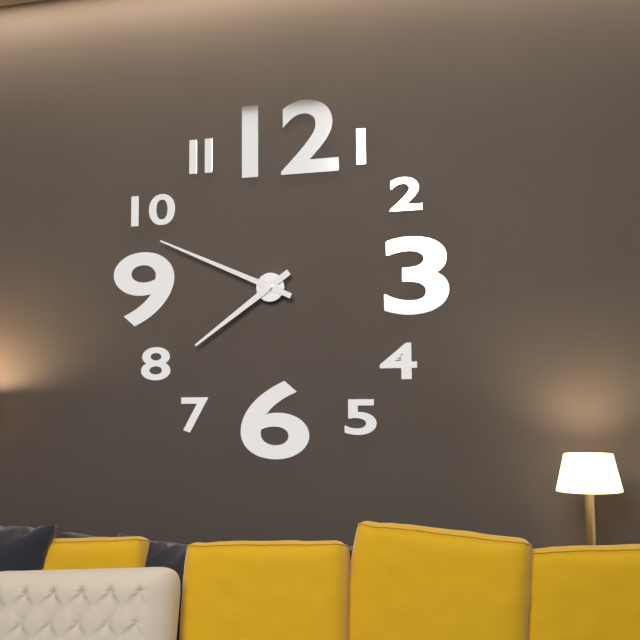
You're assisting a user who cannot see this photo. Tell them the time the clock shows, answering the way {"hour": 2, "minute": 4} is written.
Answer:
{"hour": 7, "minute": 49}
